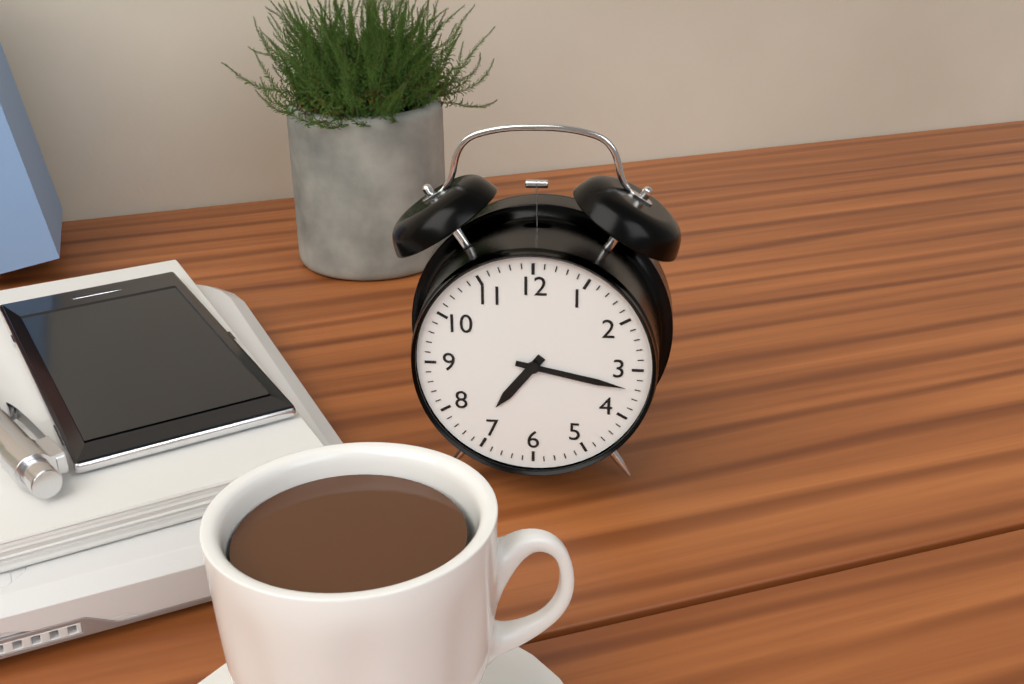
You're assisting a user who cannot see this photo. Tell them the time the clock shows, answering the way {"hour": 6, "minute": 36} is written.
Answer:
{"hour": 7, "minute": 17}
